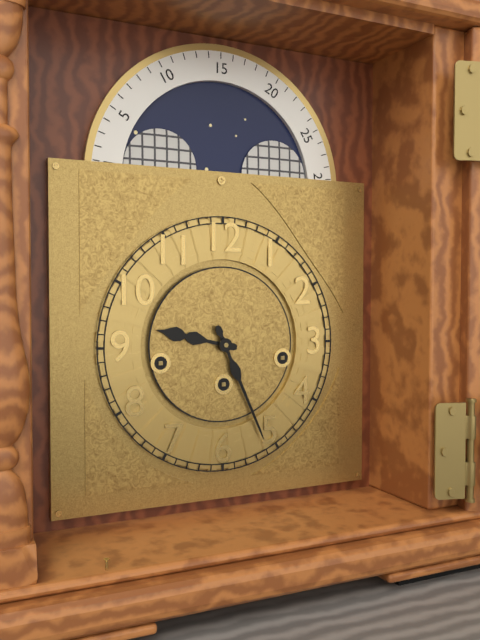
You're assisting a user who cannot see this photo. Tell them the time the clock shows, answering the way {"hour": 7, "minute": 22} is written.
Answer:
{"hour": 9, "minute": 26}
